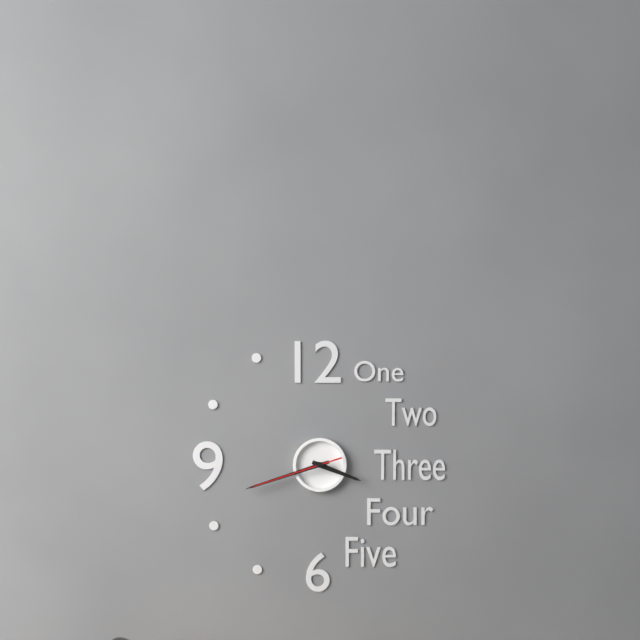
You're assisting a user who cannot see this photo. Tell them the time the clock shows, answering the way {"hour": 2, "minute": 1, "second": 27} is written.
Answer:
{"hour": 3, "minute": 42, "second": 42}
